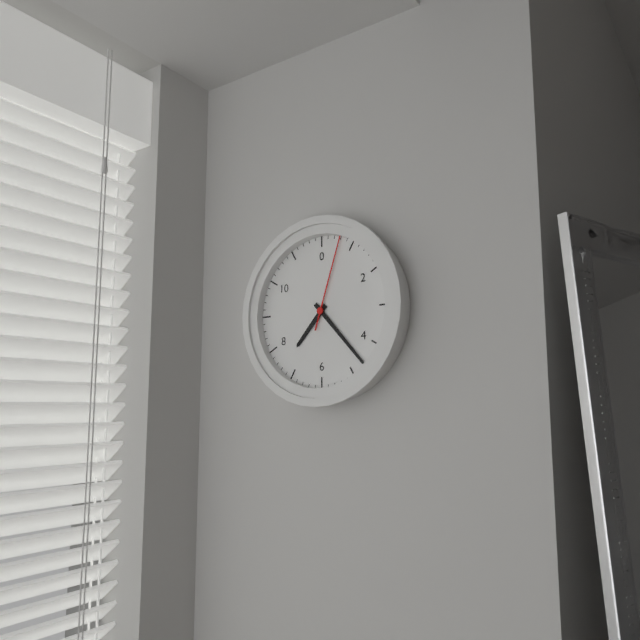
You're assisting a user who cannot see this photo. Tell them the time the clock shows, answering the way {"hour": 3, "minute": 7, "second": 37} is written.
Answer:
{"hour": 7, "minute": 23, "second": 3}
